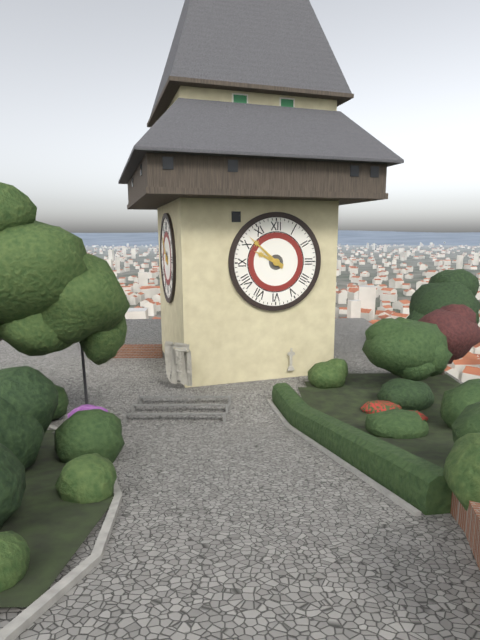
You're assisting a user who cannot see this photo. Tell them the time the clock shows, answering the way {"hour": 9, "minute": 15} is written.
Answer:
{"hour": 9, "minute": 52}
